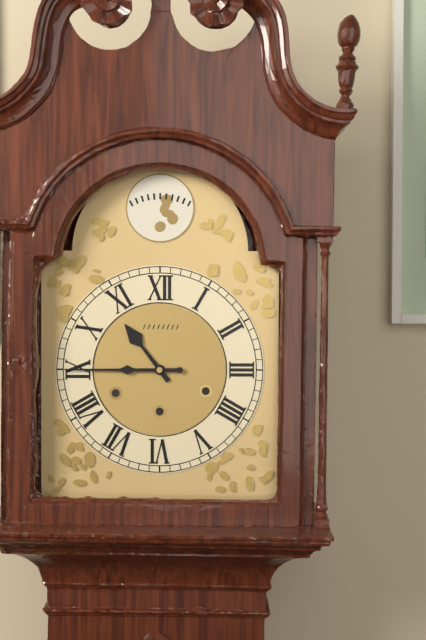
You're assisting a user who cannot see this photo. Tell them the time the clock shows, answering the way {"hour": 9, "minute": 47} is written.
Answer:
{"hour": 10, "minute": 45}
